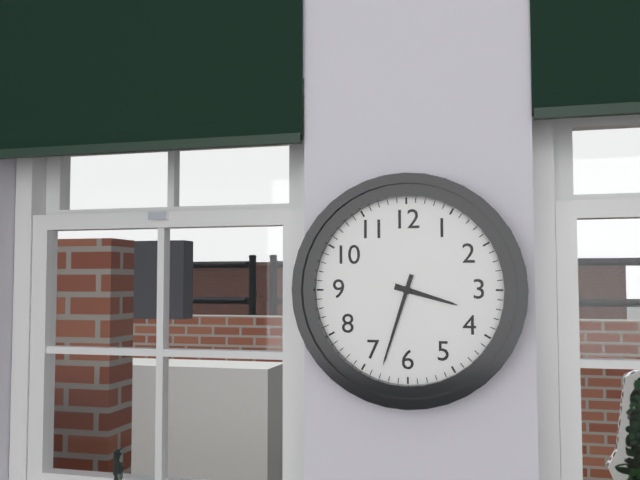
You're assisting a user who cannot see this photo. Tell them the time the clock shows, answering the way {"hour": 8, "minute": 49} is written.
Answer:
{"hour": 3, "minute": 33}
